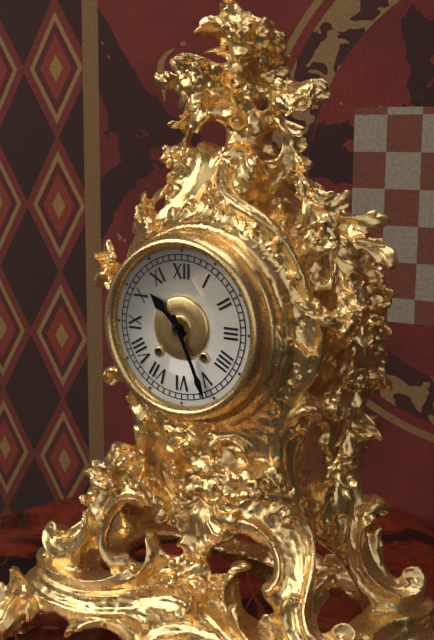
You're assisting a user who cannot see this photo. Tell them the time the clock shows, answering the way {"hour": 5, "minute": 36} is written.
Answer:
{"hour": 10, "minute": 26}
